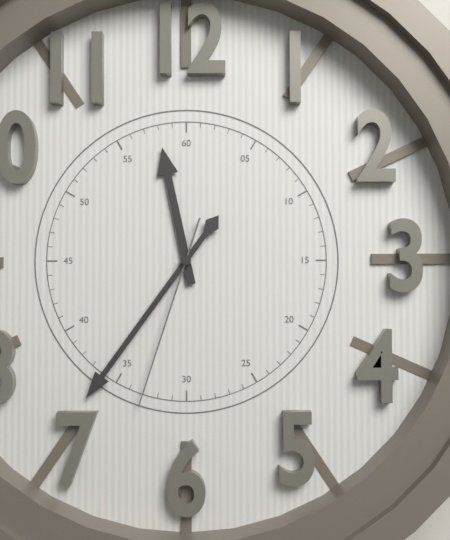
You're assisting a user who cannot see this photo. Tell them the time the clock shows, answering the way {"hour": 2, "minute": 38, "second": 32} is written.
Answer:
{"hour": 11, "minute": 36, "second": 33}
